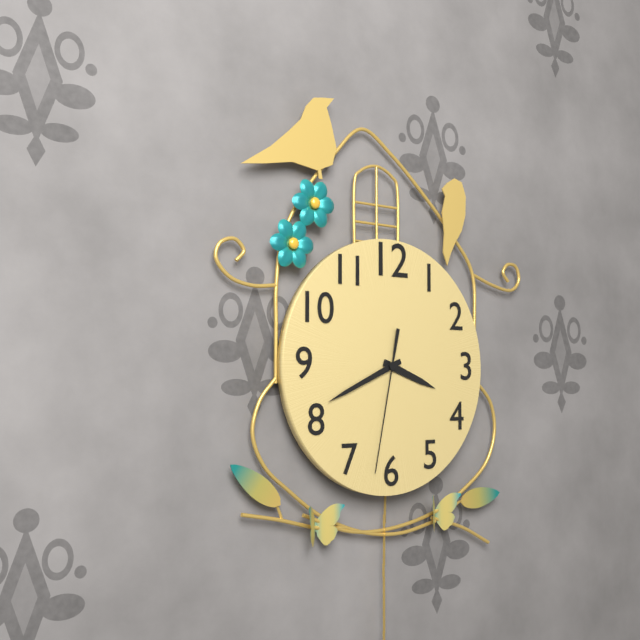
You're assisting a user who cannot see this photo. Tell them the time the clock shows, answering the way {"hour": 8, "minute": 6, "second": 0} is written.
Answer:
{"hour": 3, "minute": 41, "second": 32}
